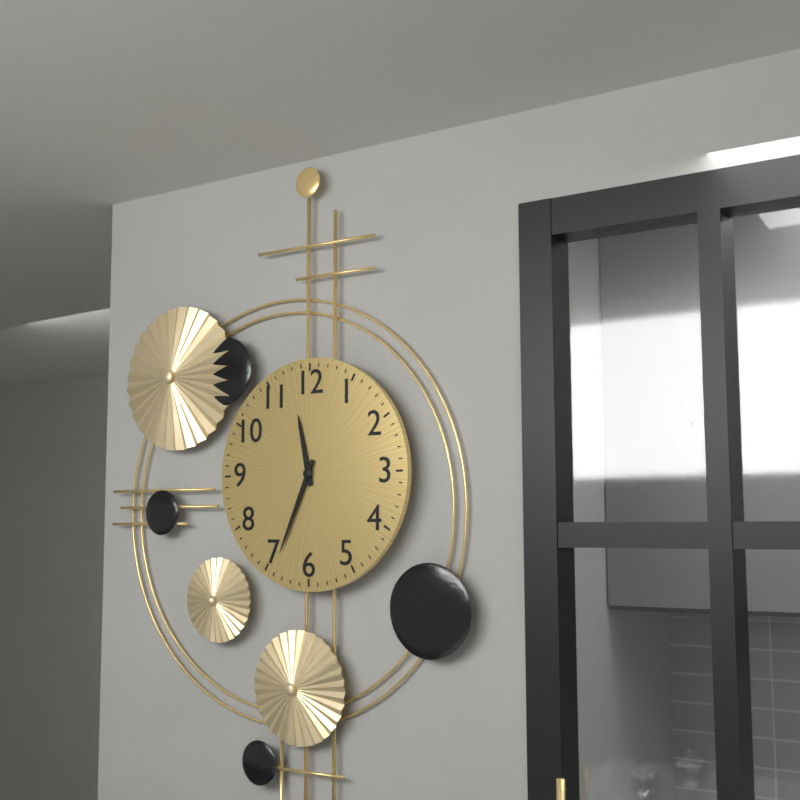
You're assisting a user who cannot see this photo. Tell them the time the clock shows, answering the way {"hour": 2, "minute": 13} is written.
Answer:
{"hour": 11, "minute": 34}
